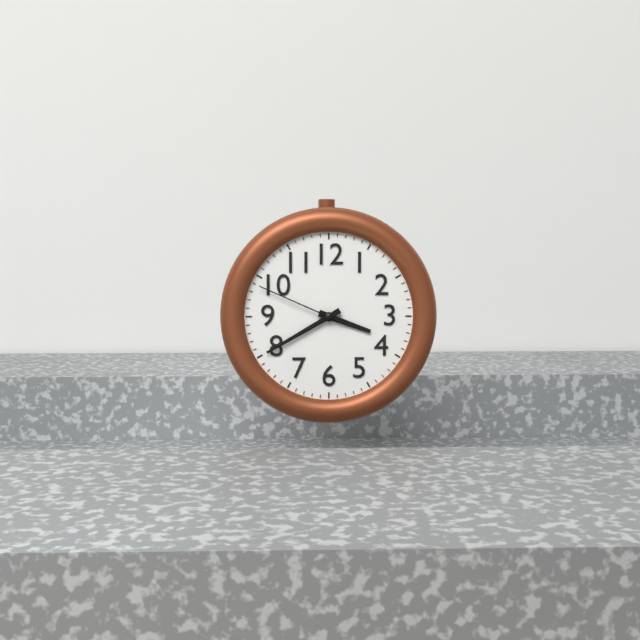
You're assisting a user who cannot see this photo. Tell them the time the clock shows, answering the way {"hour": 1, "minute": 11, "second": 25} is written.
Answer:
{"hour": 3, "minute": 40, "second": 49}
